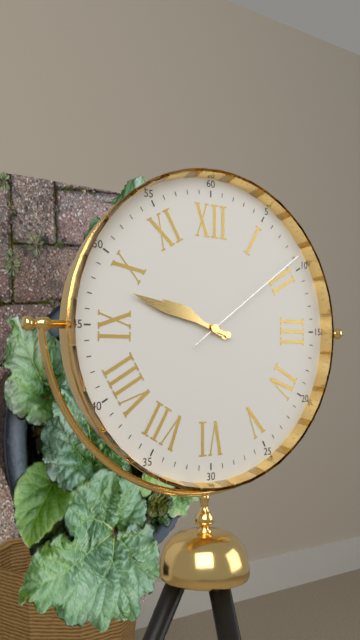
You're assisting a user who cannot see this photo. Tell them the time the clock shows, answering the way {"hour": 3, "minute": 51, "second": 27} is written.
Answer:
{"hour": 9, "minute": 48, "second": 9}
